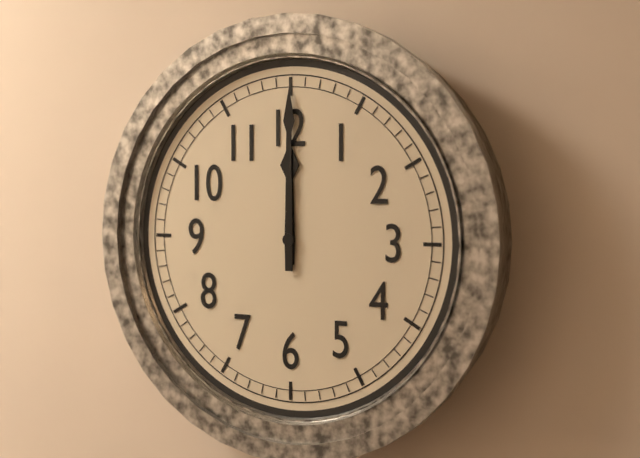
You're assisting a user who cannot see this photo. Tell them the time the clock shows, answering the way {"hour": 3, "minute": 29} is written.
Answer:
{"hour": 12, "minute": 0}
